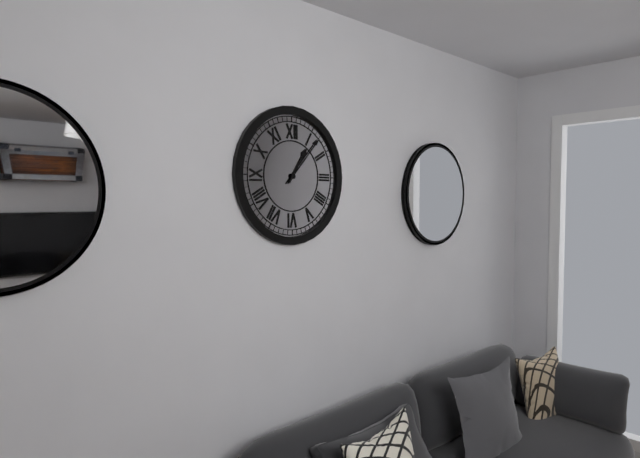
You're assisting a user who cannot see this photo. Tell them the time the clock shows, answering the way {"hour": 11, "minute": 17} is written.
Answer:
{"hour": 1, "minute": 7}
